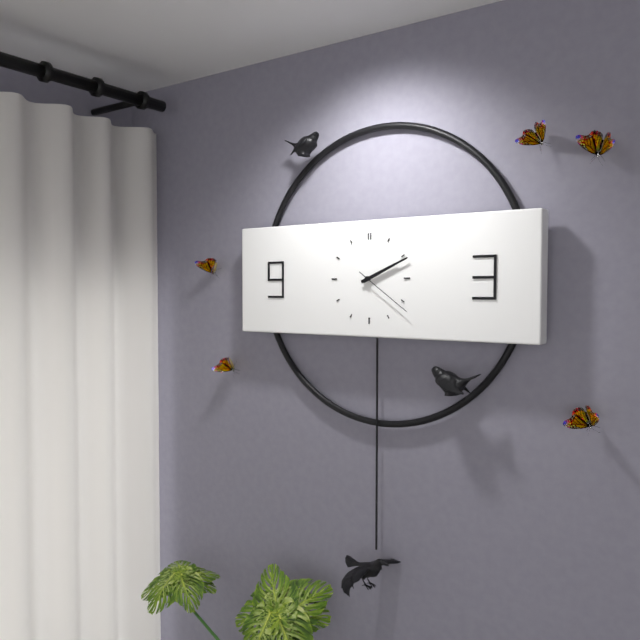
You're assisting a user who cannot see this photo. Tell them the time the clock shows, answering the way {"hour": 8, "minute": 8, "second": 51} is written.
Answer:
{"hour": 2, "minute": 11, "second": 21}
